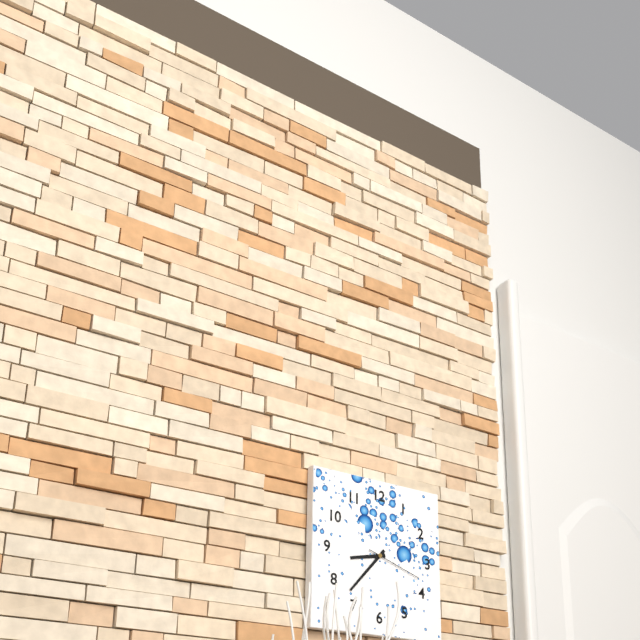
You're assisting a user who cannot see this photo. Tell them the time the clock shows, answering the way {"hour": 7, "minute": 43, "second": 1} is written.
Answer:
{"hour": 8, "minute": 37, "second": 18}
